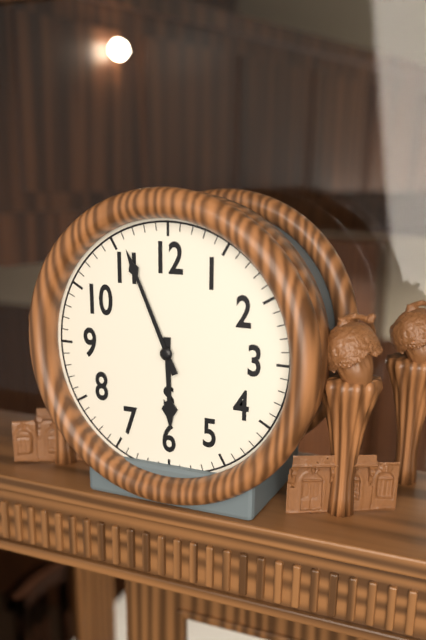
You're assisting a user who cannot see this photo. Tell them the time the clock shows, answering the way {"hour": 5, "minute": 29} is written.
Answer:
{"hour": 5, "minute": 56}
